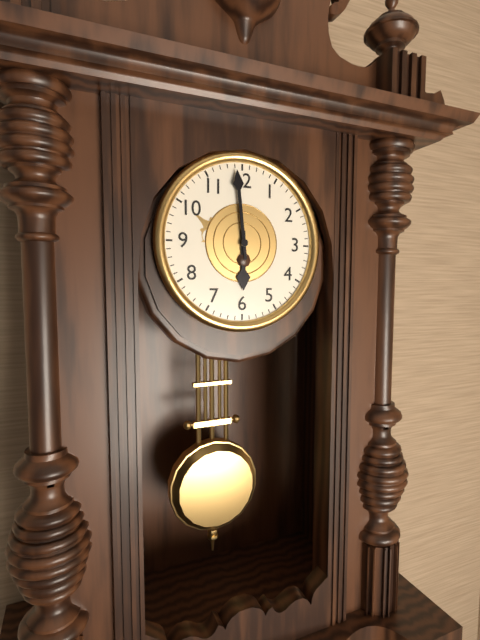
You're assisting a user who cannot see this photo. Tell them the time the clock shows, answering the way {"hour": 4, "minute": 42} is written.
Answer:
{"hour": 5, "minute": 59}
